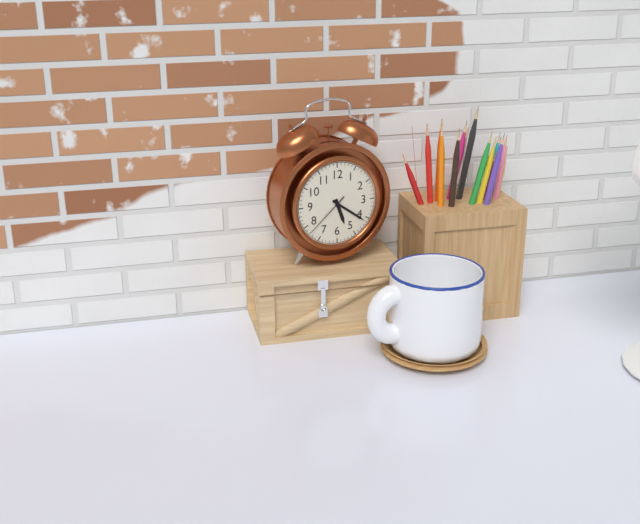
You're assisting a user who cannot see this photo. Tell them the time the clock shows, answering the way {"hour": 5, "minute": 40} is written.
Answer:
{"hour": 5, "minute": 21}
